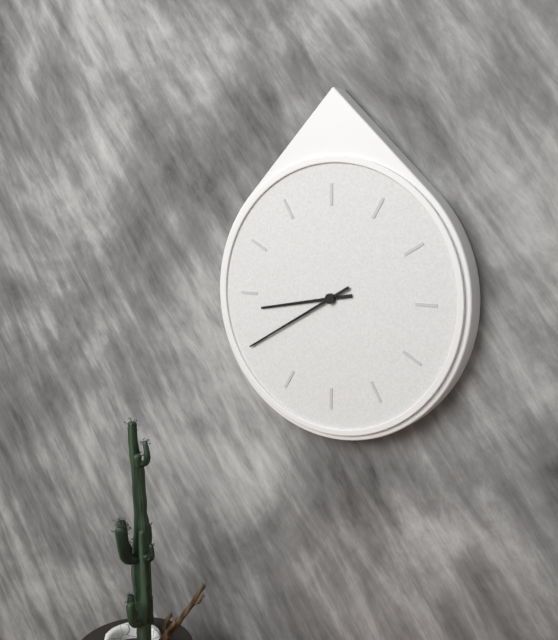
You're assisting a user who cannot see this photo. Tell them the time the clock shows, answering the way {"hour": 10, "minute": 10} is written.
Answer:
{"hour": 8, "minute": 40}
